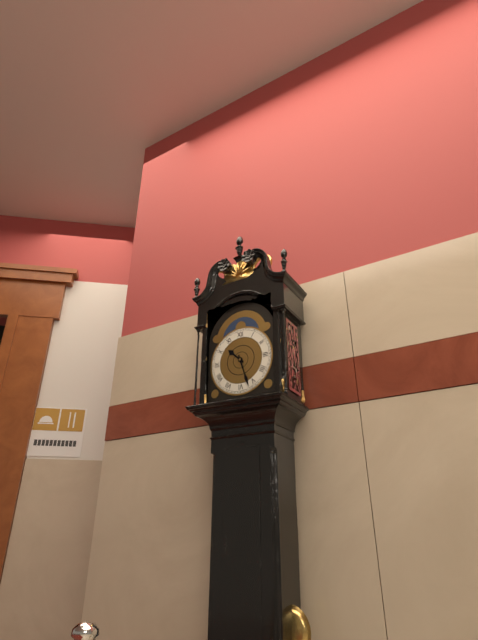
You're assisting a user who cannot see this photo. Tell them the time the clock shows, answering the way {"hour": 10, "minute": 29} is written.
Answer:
{"hour": 10, "minute": 27}
